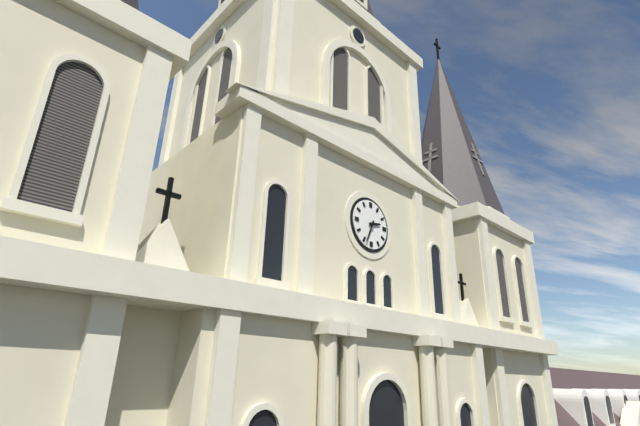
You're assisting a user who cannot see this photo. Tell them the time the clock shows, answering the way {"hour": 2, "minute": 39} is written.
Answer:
{"hour": 2, "minute": 34}
